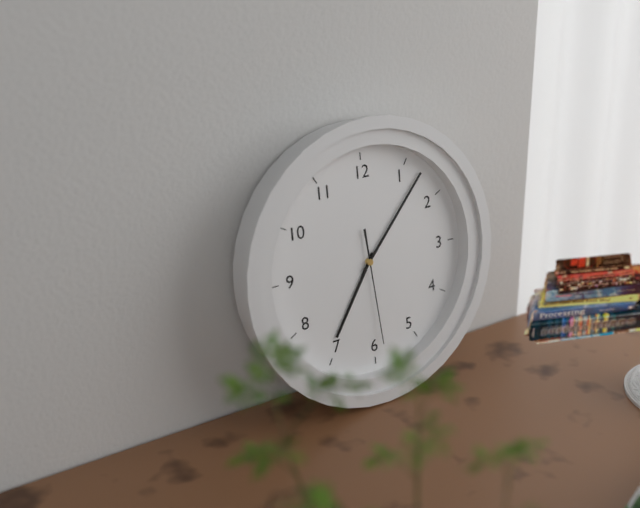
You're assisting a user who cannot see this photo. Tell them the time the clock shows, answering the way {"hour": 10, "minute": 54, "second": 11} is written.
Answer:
{"hour": 7, "minute": 7, "second": 29}
